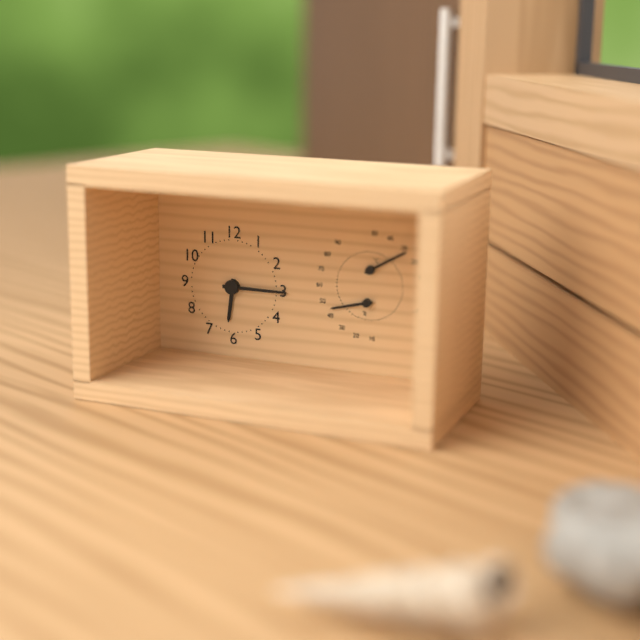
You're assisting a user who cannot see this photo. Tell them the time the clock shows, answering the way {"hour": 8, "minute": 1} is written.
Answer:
{"hour": 6, "minute": 15}
